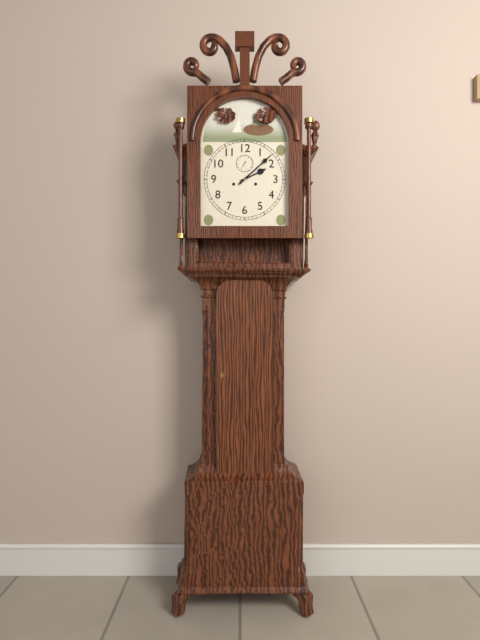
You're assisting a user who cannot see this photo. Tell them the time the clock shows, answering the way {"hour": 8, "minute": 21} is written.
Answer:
{"hour": 2, "minute": 8}
